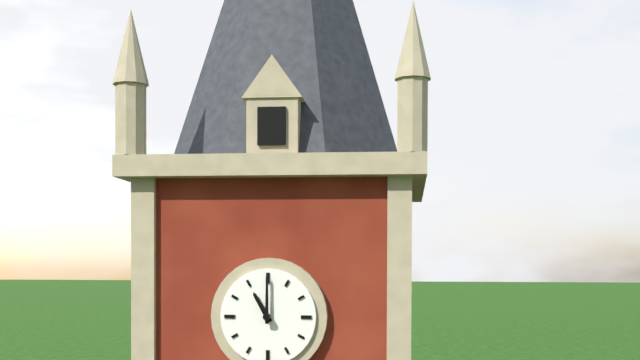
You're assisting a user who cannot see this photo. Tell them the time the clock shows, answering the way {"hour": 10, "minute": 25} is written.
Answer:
{"hour": 11, "minute": 0}
